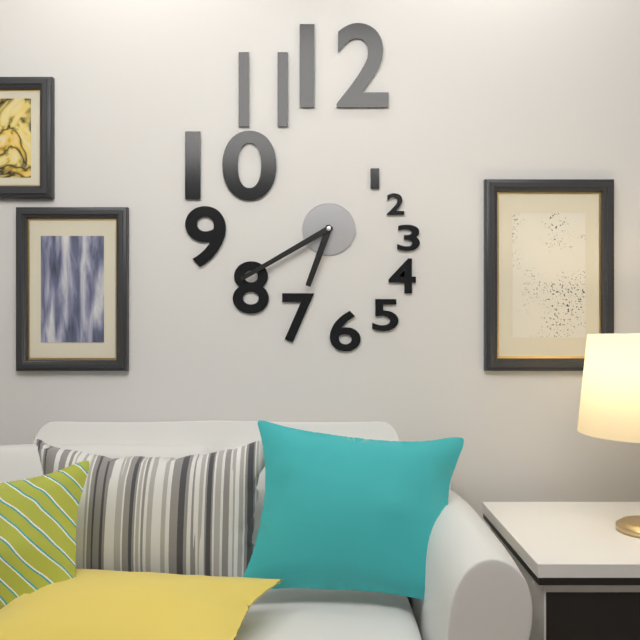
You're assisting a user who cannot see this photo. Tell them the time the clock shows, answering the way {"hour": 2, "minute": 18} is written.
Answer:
{"hour": 6, "minute": 40}
